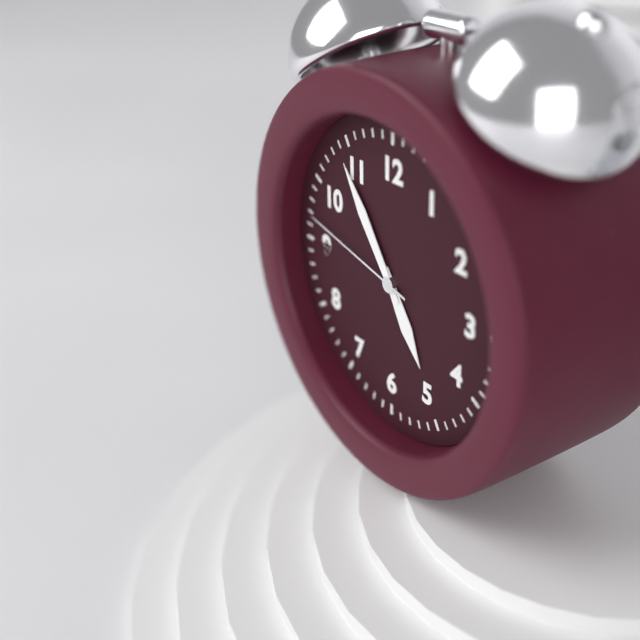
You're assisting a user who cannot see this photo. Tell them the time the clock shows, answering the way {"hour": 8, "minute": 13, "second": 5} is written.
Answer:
{"hour": 4, "minute": 54, "second": 47}
